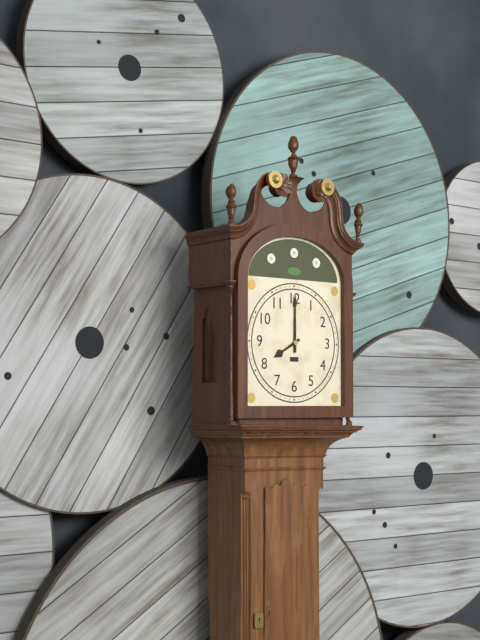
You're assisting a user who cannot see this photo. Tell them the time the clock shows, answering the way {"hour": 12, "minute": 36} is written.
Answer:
{"hour": 8, "minute": 0}
